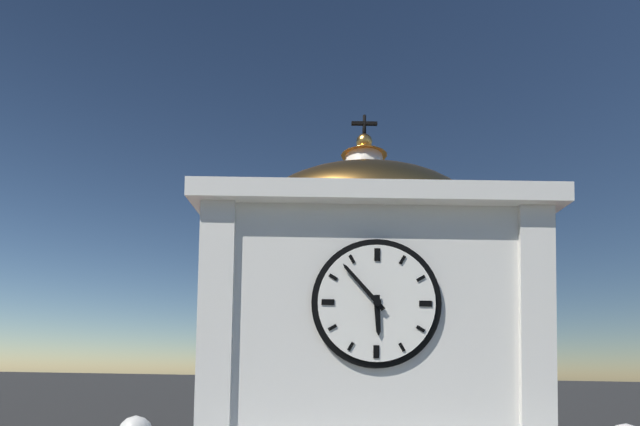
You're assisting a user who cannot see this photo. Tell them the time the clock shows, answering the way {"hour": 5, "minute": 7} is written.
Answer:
{"hour": 5, "minute": 53}
